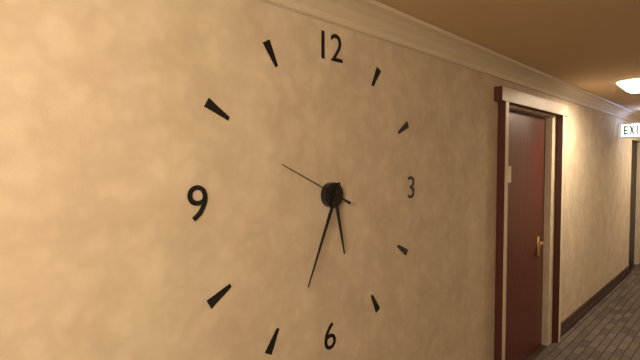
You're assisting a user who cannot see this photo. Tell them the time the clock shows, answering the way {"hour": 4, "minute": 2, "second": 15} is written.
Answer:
{"hour": 5, "minute": 34, "second": 49}
